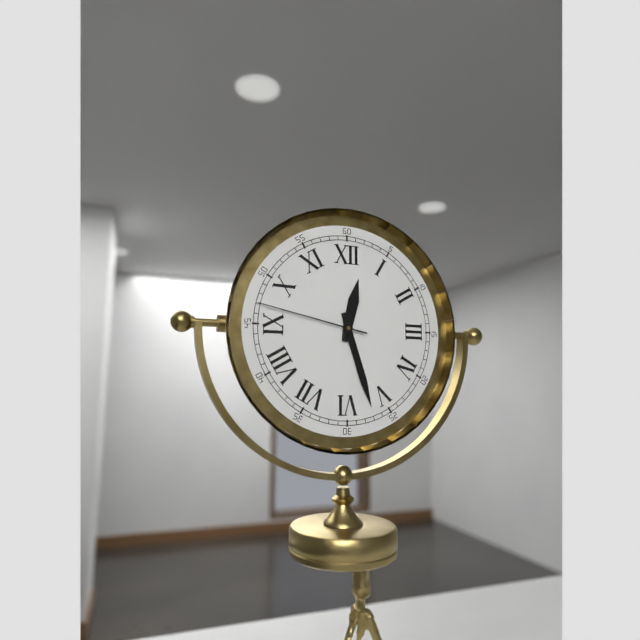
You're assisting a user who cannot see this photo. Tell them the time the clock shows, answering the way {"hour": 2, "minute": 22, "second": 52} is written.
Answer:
{"hour": 12, "minute": 27, "second": 47}
